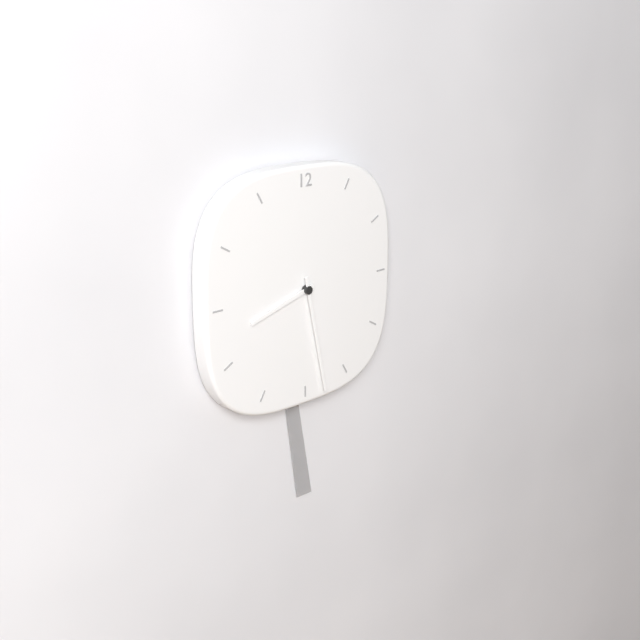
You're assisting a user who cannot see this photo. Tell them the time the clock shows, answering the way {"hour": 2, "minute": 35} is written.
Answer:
{"hour": 8, "minute": 28}
